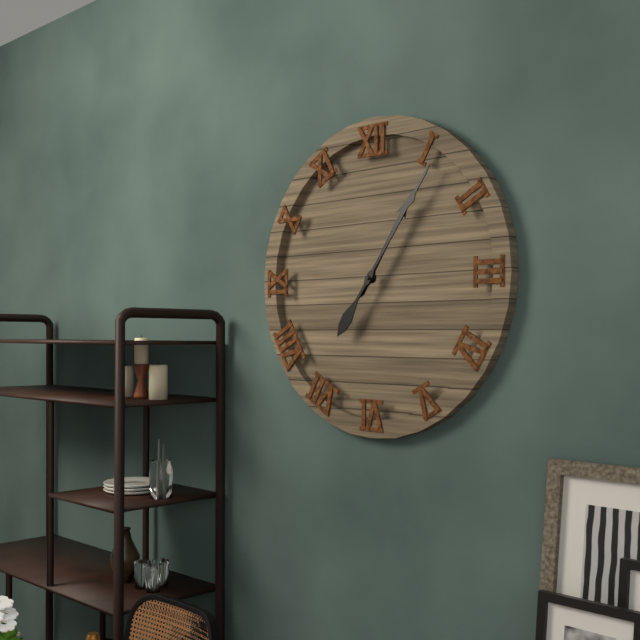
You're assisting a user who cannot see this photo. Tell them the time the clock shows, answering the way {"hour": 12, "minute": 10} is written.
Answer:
{"hour": 1, "minute": 6}
